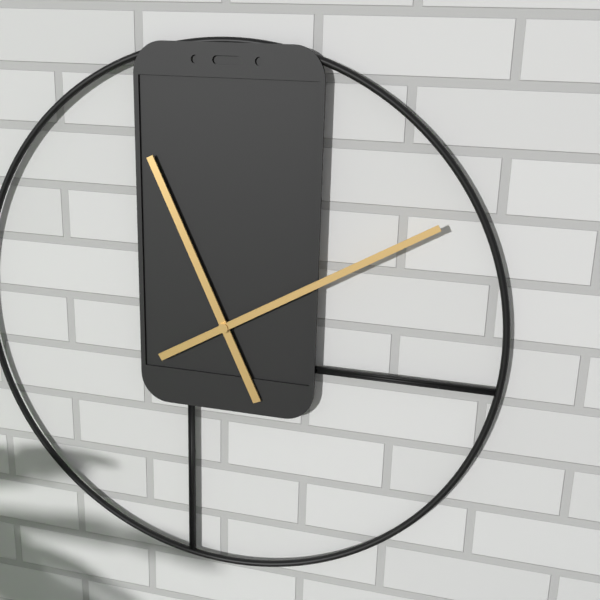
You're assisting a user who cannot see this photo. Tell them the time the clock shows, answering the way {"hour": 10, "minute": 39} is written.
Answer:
{"hour": 11, "minute": 10}
